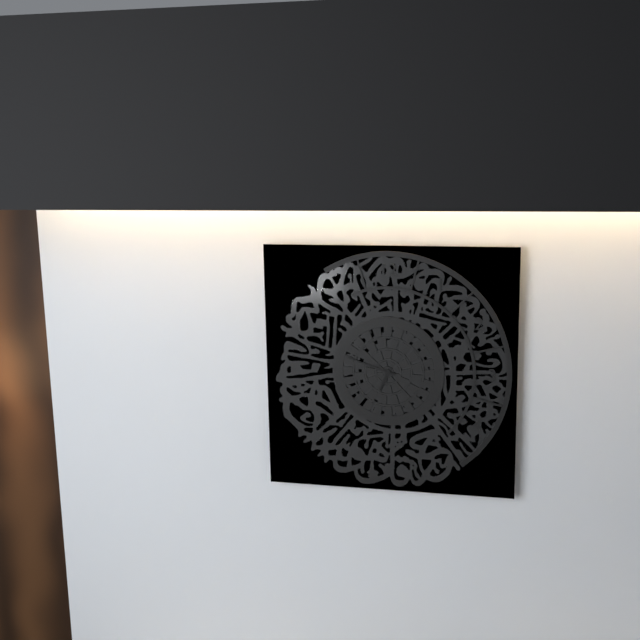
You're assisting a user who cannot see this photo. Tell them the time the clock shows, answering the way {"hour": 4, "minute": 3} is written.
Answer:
{"hour": 6, "minute": 48}
